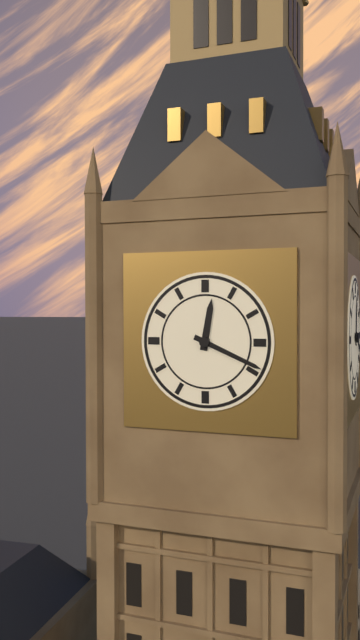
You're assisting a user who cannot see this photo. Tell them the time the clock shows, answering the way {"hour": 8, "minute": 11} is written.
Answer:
{"hour": 12, "minute": 19}
